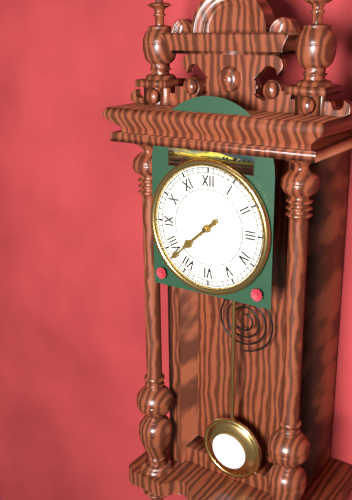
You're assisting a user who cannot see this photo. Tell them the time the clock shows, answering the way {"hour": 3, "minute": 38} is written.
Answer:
{"hour": 7, "minute": 38}
